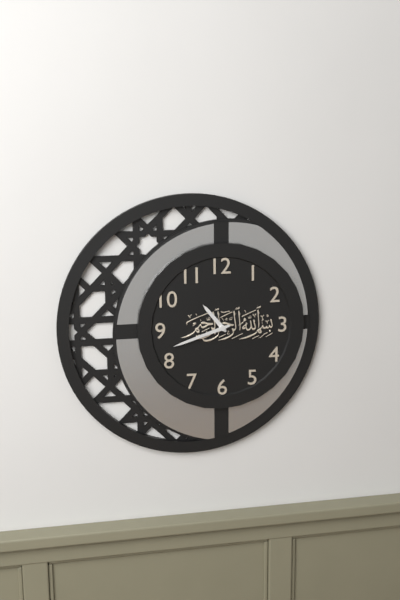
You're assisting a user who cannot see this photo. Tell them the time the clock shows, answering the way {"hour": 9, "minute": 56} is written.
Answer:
{"hour": 10, "minute": 42}
